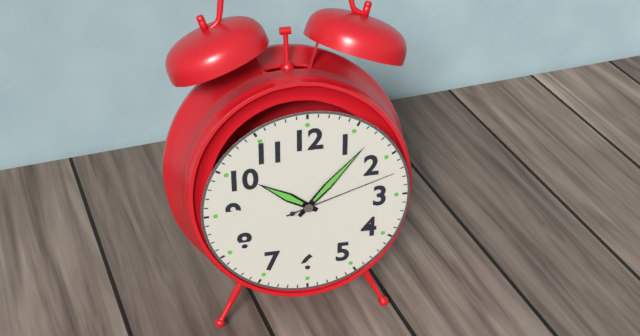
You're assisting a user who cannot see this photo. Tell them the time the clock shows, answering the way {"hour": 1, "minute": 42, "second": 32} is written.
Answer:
{"hour": 10, "minute": 7, "second": 12}
